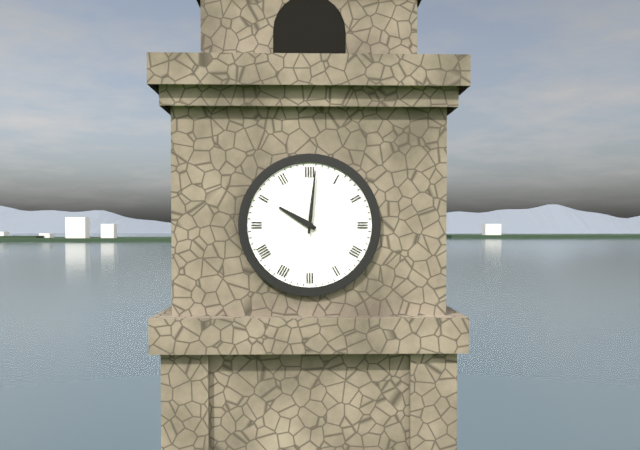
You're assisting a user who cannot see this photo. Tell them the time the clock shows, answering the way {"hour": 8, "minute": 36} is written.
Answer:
{"hour": 10, "minute": 1}
